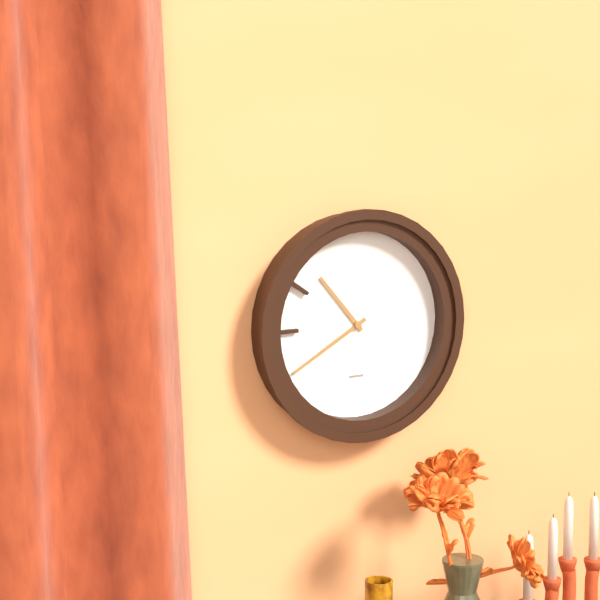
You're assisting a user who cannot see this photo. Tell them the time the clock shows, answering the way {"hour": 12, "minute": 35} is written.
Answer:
{"hour": 10, "minute": 40}
